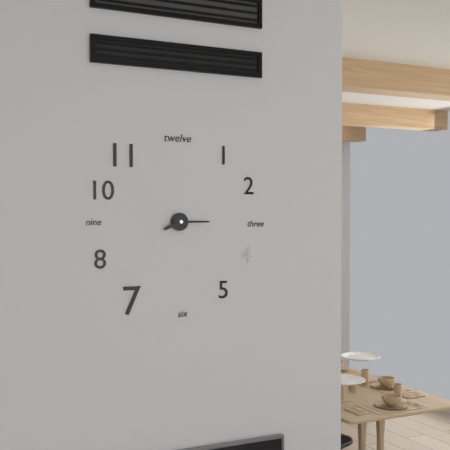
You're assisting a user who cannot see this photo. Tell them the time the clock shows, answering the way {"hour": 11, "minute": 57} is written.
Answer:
{"hour": 8, "minute": 15}
